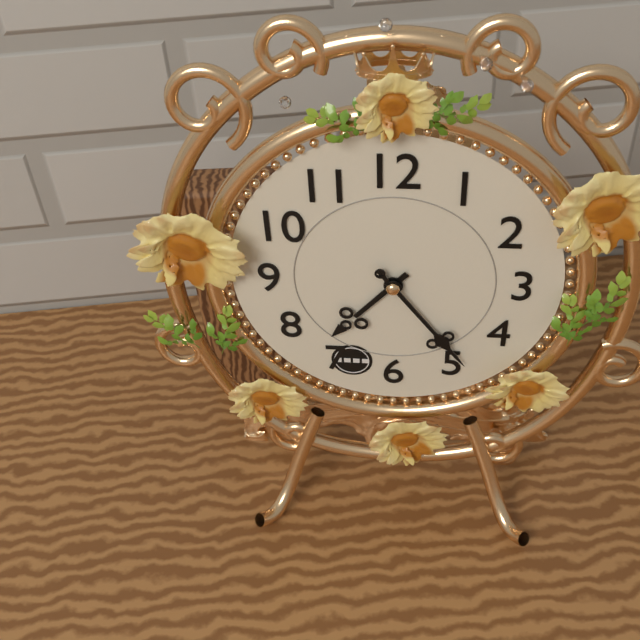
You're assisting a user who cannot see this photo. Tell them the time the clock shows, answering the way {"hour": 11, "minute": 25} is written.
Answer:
{"hour": 7, "minute": 24}
